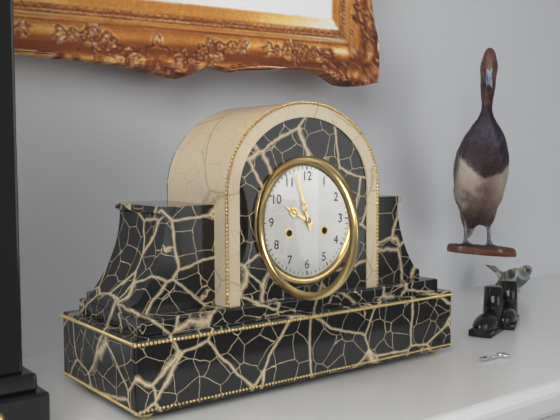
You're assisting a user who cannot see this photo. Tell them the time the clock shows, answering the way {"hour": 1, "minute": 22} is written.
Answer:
{"hour": 9, "minute": 57}
